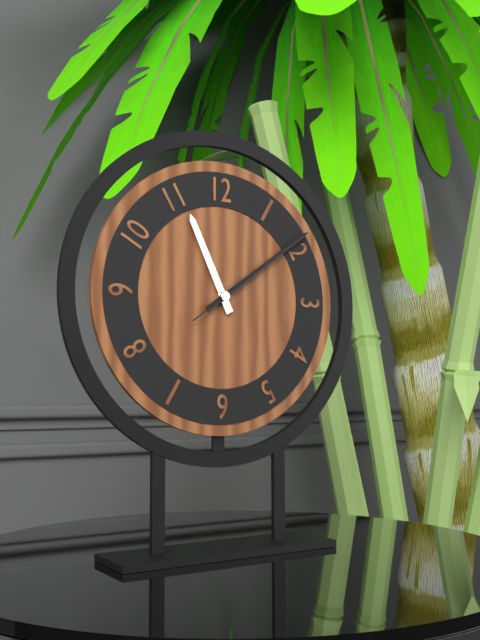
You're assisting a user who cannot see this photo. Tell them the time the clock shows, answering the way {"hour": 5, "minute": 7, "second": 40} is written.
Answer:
{"hour": 11, "minute": 9, "second": 9}
